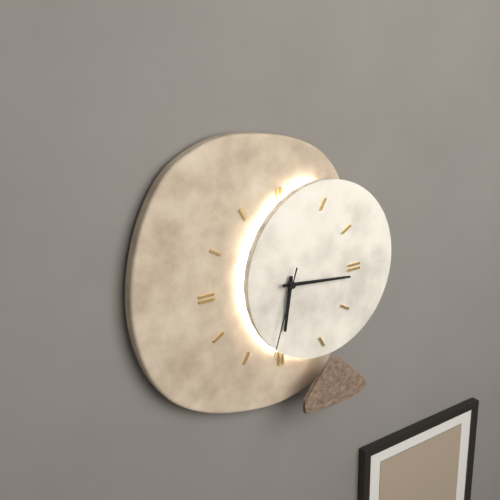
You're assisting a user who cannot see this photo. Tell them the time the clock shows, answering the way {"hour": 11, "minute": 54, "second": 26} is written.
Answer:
{"hour": 6, "minute": 16, "second": 33}
